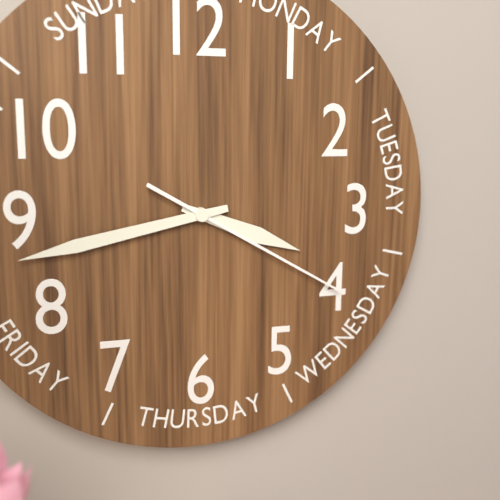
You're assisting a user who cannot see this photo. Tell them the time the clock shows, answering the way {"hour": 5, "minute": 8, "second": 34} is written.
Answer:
{"hour": 3, "minute": 43, "second": 20}
